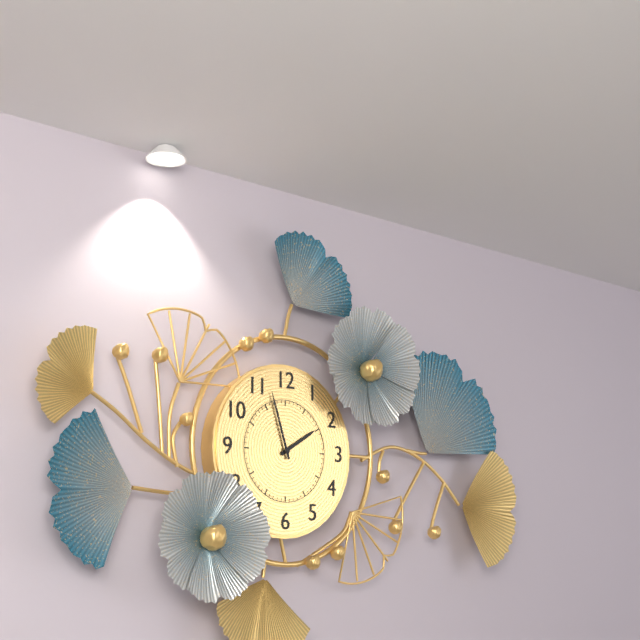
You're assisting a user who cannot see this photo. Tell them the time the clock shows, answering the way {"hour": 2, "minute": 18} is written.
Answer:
{"hour": 1, "minute": 57}
